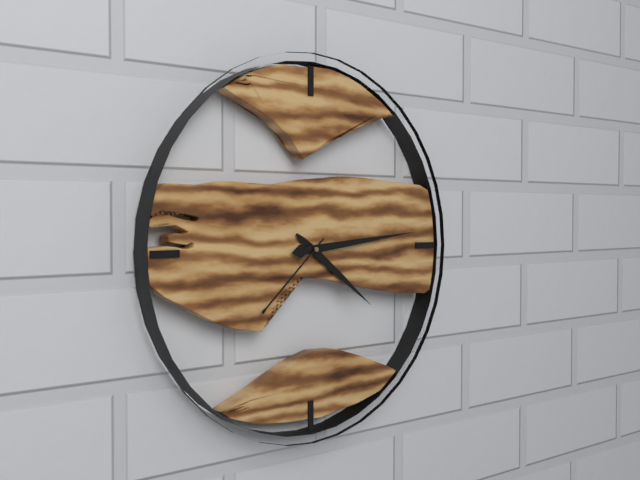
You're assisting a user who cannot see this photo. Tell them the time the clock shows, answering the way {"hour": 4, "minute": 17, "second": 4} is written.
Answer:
{"hour": 4, "minute": 14, "second": 38}
